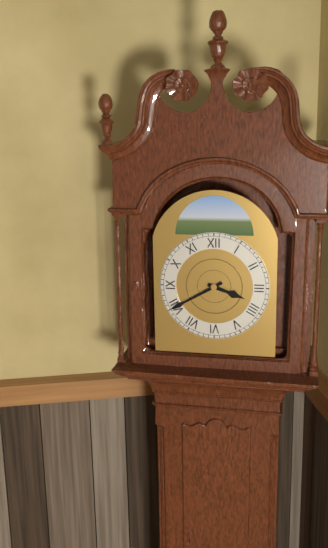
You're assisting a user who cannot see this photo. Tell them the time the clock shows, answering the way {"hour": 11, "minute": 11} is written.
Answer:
{"hour": 3, "minute": 40}
